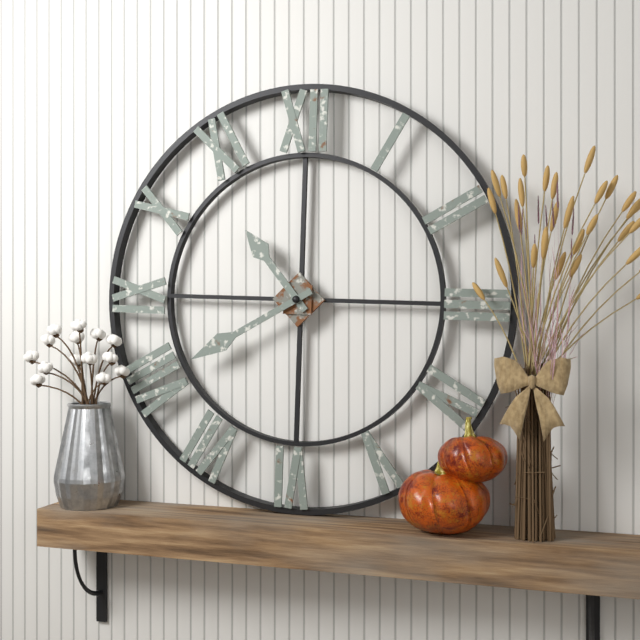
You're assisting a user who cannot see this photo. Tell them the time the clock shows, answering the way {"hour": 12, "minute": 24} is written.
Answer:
{"hour": 10, "minute": 40}
